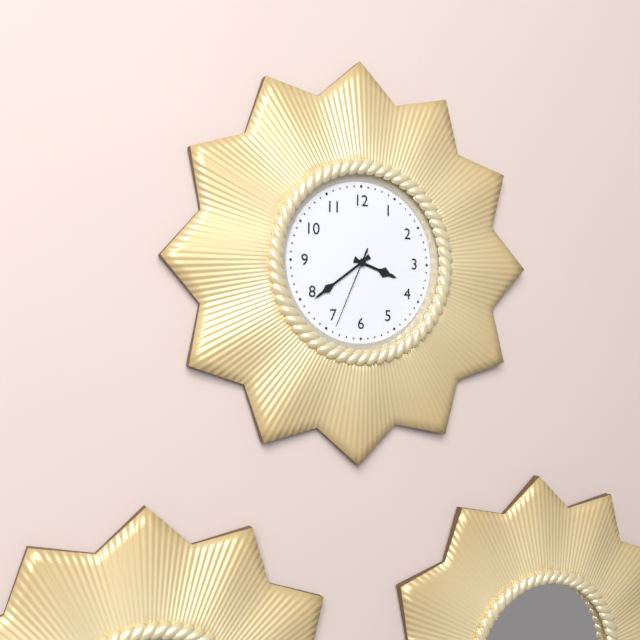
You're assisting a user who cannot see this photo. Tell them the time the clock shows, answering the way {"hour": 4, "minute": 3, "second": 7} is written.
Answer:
{"hour": 3, "minute": 39, "second": 34}
